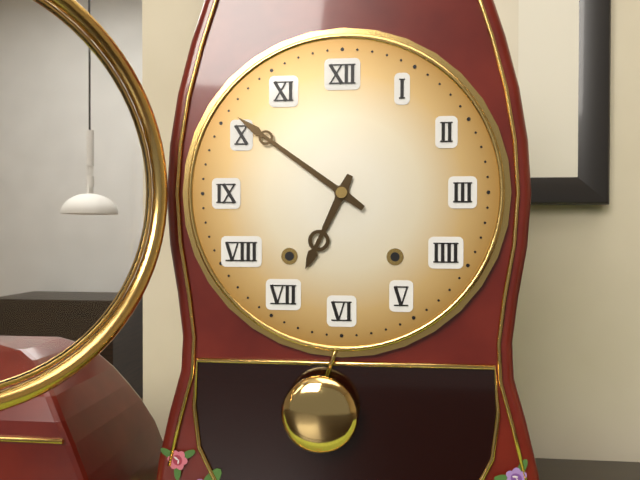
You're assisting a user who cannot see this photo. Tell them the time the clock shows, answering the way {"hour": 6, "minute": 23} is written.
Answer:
{"hour": 6, "minute": 51}
